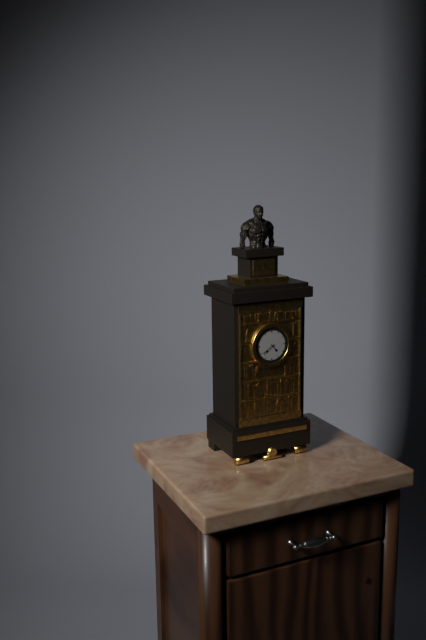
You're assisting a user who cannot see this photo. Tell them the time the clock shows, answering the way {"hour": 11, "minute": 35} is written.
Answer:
{"hour": 4, "minute": 39}
